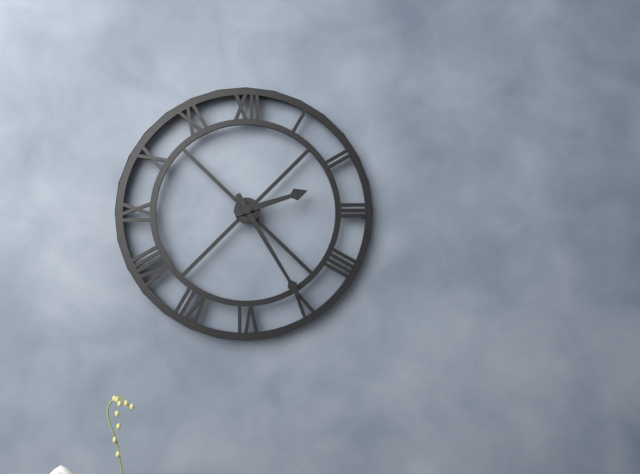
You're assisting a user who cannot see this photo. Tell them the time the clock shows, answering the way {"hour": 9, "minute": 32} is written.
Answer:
{"hour": 2, "minute": 25}
